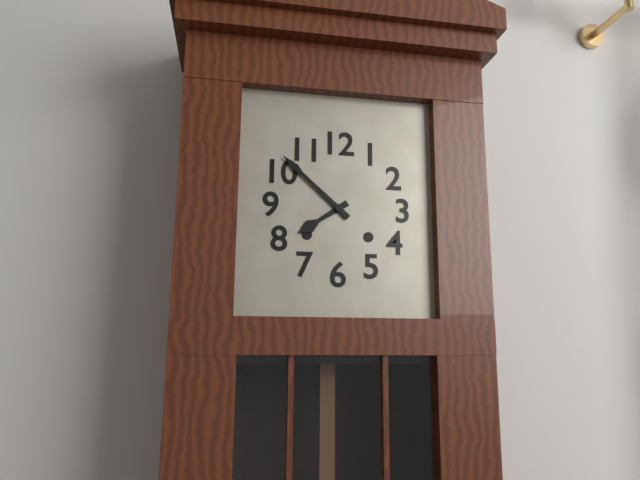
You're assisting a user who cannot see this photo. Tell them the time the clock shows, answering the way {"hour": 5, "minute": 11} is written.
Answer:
{"hour": 7, "minute": 52}
